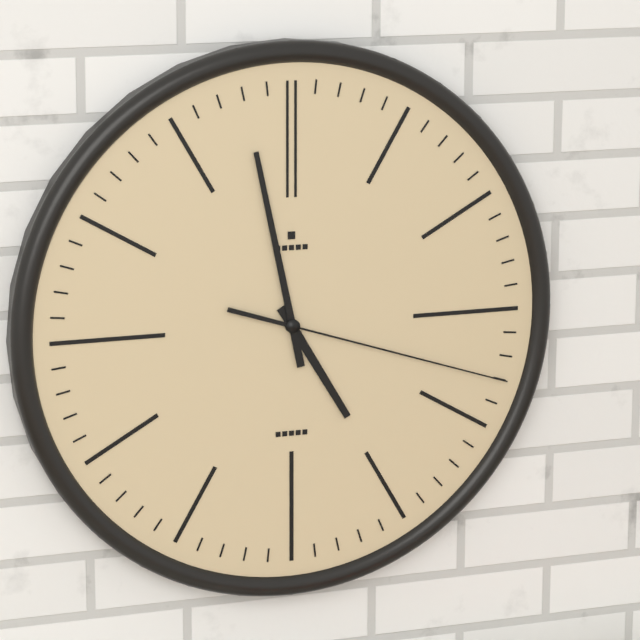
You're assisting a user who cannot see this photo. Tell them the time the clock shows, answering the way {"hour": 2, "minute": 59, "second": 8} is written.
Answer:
{"hour": 4, "minute": 58, "second": 18}
